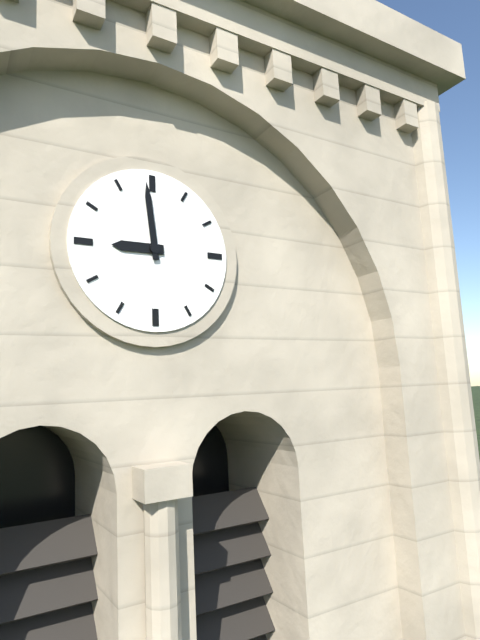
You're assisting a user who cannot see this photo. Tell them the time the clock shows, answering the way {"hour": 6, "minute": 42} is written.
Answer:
{"hour": 8, "minute": 59}
